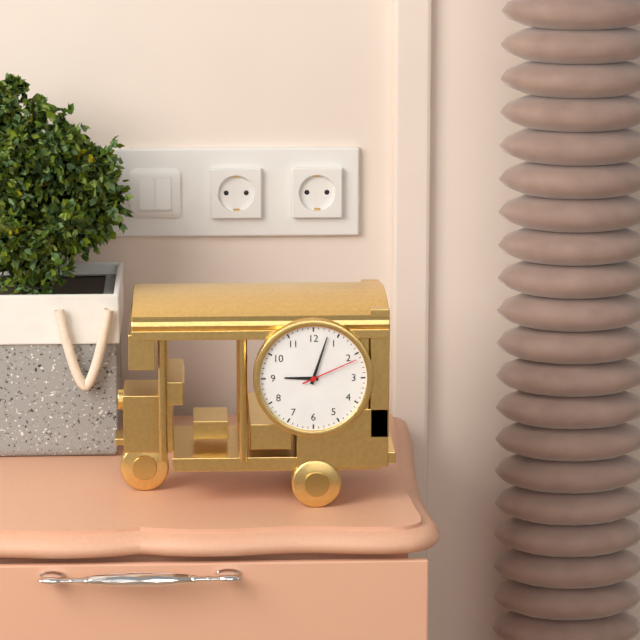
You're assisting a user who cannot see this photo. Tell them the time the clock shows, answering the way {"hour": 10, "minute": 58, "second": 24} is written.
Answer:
{"hour": 9, "minute": 3, "second": 11}
